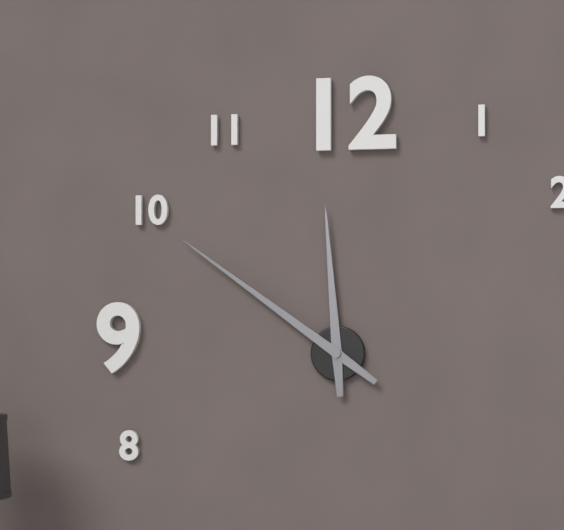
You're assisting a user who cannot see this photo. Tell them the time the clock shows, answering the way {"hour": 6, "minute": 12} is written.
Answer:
{"hour": 11, "minute": 51}
